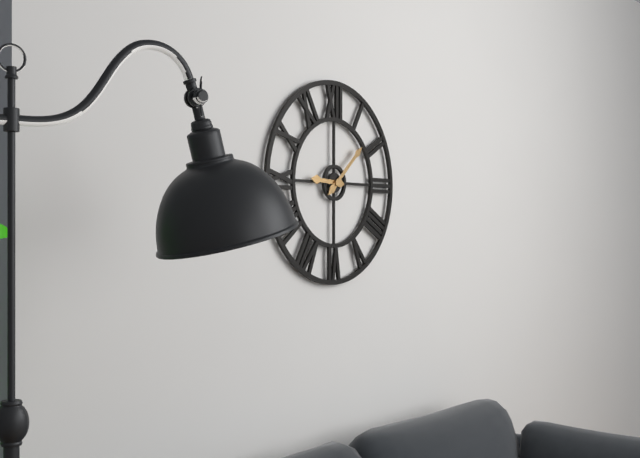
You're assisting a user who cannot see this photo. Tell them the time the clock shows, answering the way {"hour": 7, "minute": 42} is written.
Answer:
{"hour": 9, "minute": 8}
